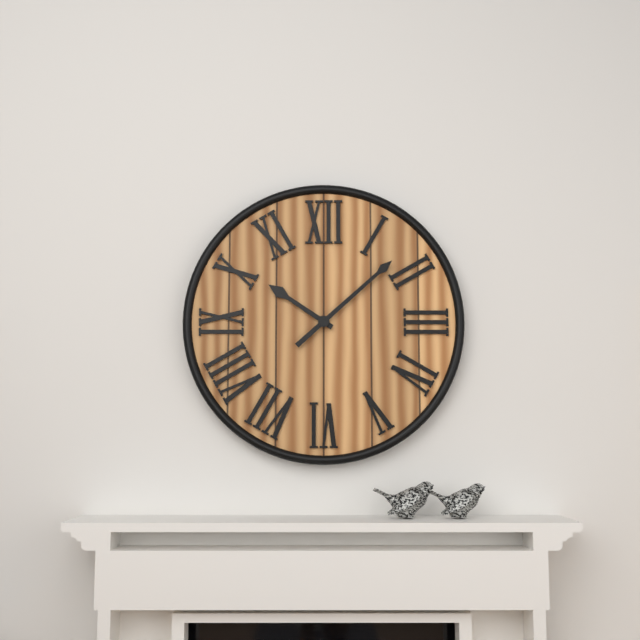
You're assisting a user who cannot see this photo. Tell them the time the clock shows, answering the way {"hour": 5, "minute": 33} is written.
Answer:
{"hour": 10, "minute": 8}
